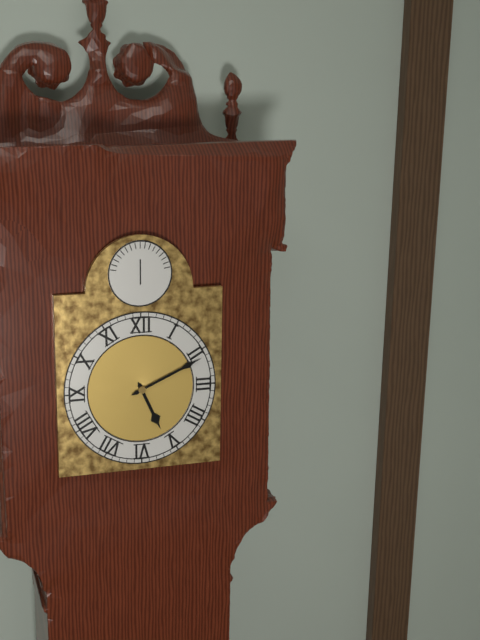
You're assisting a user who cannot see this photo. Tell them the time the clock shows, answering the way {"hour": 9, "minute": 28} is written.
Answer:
{"hour": 5, "minute": 11}
